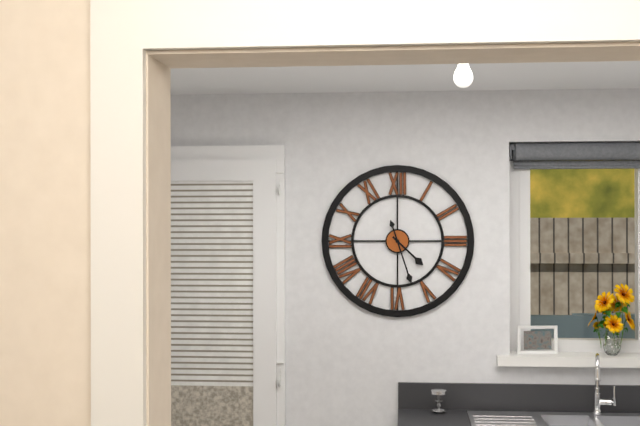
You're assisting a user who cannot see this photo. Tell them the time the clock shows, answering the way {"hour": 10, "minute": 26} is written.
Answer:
{"hour": 4, "minute": 27}
